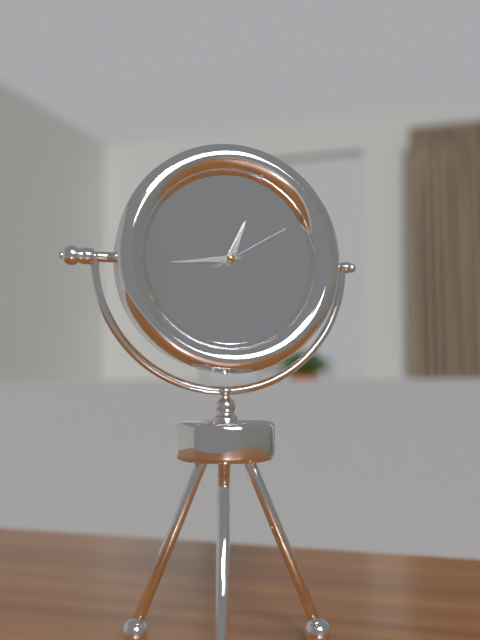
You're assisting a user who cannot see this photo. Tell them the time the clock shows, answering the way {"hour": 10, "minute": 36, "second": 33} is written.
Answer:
{"hour": 12, "minute": 44, "second": 10}
